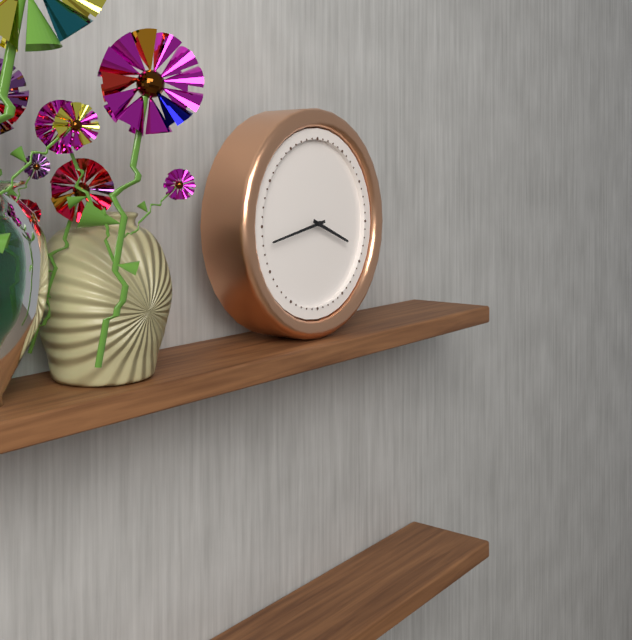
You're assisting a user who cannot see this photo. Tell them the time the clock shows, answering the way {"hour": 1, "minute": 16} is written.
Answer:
{"hour": 3, "minute": 43}
